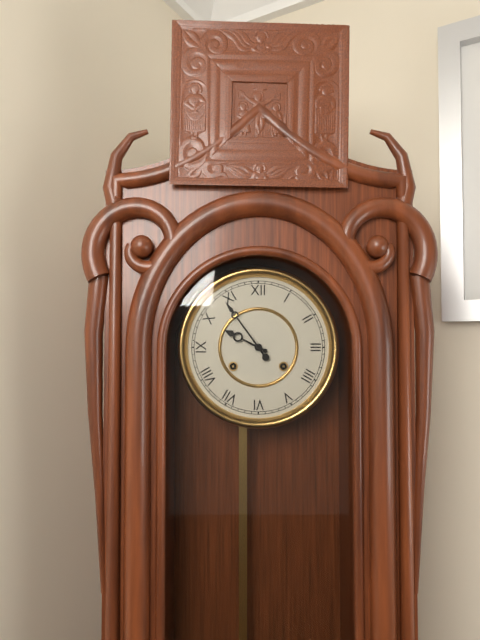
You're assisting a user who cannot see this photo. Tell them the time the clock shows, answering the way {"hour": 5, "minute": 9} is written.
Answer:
{"hour": 9, "minute": 54}
